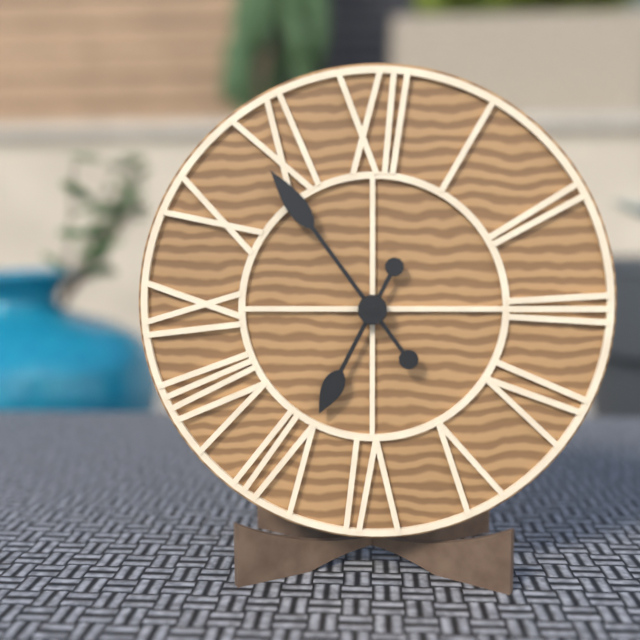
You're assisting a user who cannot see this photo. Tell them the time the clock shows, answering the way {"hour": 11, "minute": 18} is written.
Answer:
{"hour": 6, "minute": 54}
